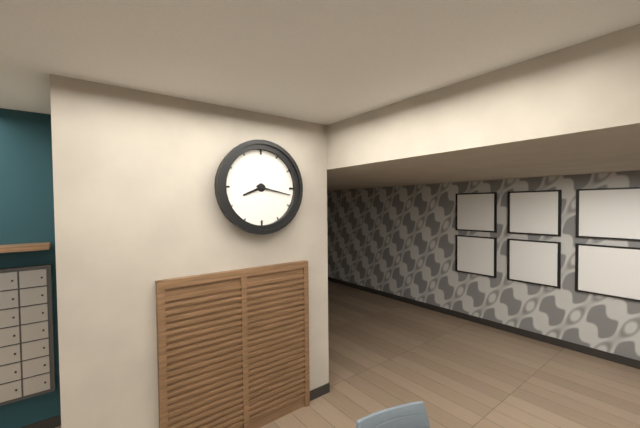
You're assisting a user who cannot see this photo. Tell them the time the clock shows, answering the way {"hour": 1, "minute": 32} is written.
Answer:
{"hour": 8, "minute": 17}
